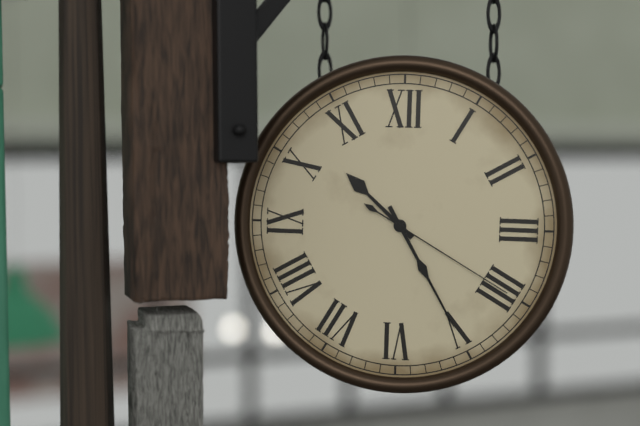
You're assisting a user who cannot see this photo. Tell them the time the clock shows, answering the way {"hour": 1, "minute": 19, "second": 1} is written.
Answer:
{"hour": 10, "minute": 25, "second": 20}
